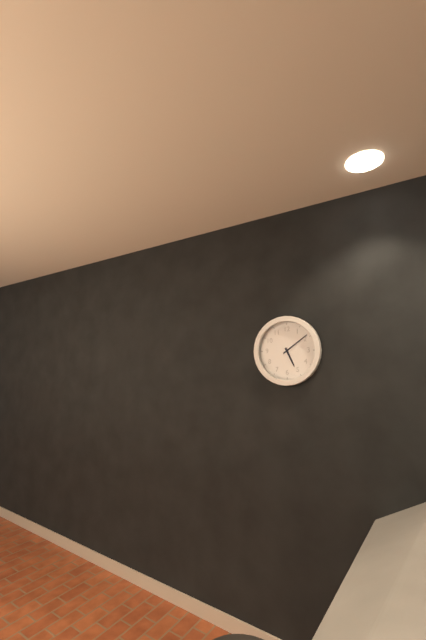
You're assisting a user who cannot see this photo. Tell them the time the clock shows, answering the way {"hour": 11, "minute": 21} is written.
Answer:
{"hour": 5, "minute": 9}
